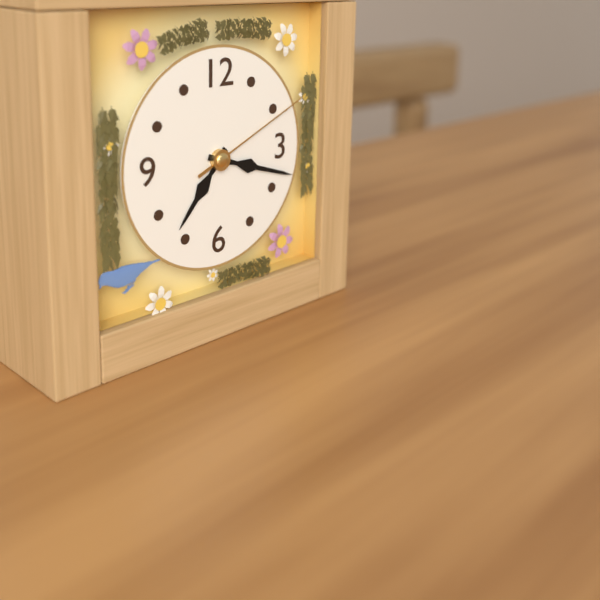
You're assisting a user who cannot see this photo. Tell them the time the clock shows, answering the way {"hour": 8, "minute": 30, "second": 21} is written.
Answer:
{"hour": 7, "minute": 18, "second": 11}
